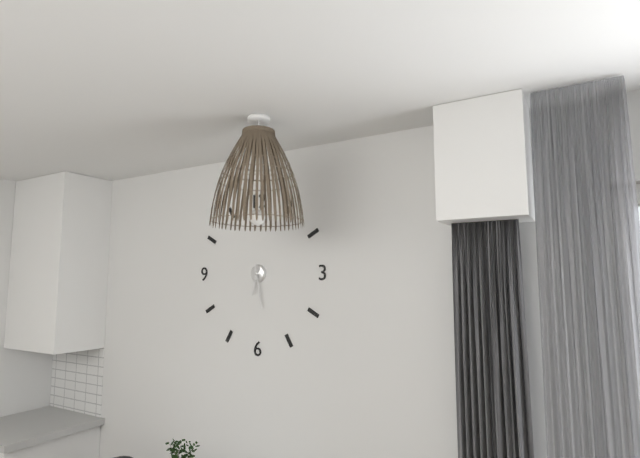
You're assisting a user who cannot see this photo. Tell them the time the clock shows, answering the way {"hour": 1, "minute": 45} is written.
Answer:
{"hour": 6, "minute": 28}
